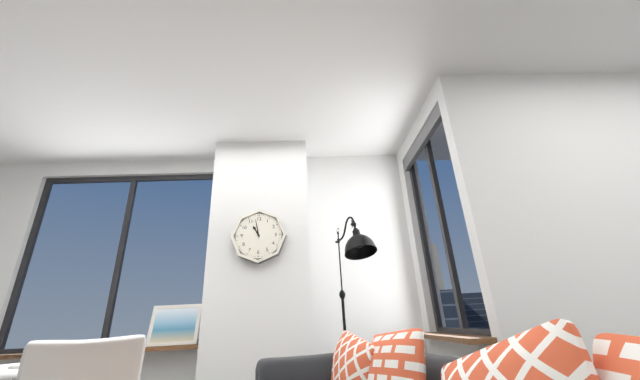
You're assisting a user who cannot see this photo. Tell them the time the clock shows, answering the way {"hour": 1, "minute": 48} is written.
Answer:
{"hour": 10, "minute": 58}
